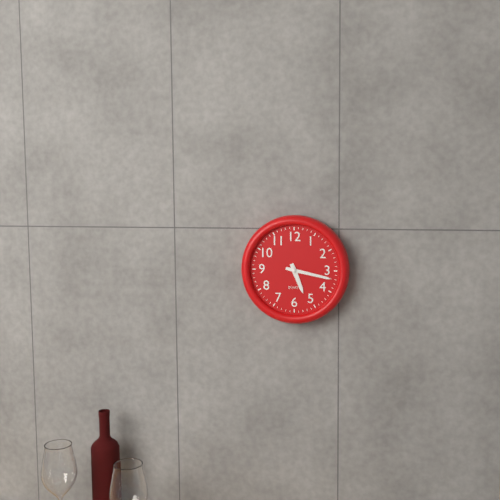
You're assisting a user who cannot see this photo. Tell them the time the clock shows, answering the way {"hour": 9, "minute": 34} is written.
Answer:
{"hour": 5, "minute": 17}
